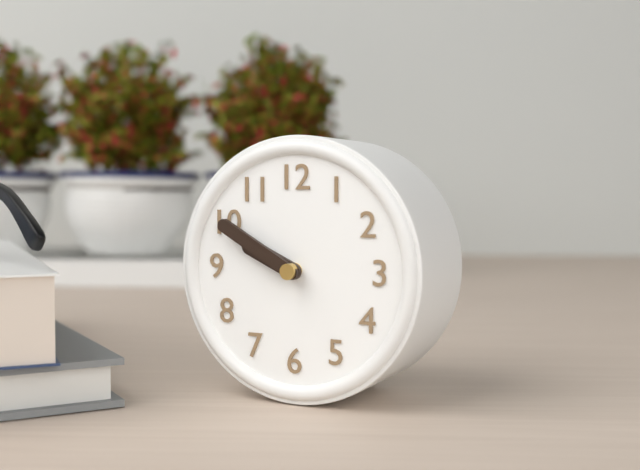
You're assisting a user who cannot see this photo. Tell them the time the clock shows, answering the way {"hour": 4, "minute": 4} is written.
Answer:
{"hour": 9, "minute": 50}
